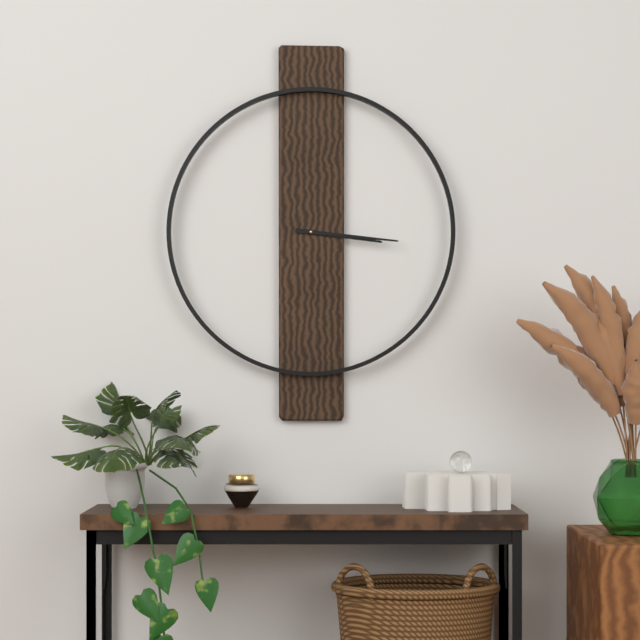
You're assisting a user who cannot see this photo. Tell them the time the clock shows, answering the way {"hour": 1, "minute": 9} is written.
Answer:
{"hour": 3, "minute": 16}
